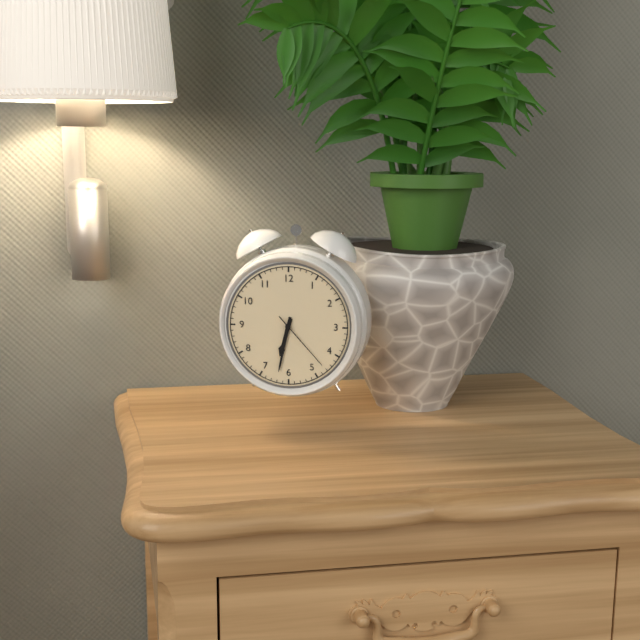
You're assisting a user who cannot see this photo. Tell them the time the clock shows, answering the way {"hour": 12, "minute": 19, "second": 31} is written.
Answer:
{"hour": 6, "minute": 32, "second": 23}
